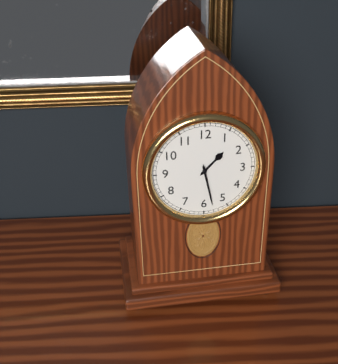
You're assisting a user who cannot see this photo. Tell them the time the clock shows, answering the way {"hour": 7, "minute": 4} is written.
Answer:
{"hour": 1, "minute": 28}
